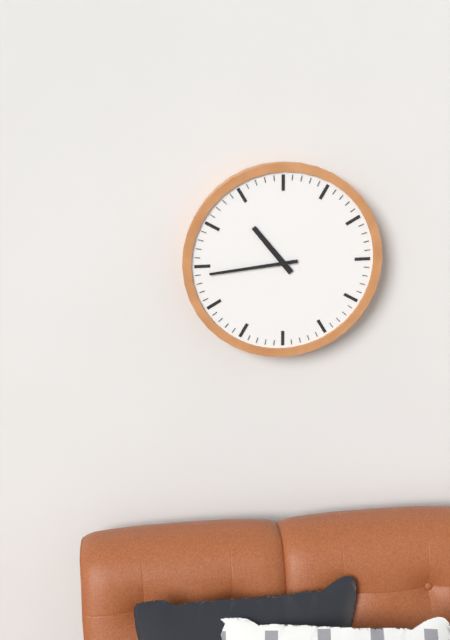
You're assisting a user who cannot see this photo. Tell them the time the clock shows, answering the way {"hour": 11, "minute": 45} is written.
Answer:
{"hour": 10, "minute": 44}
